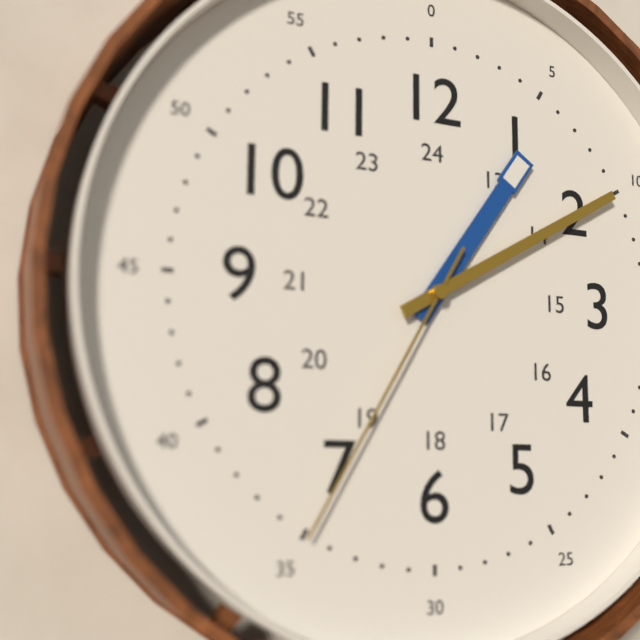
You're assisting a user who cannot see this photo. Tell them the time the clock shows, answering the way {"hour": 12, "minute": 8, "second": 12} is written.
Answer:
{"hour": 1, "minute": 10, "second": 35}
